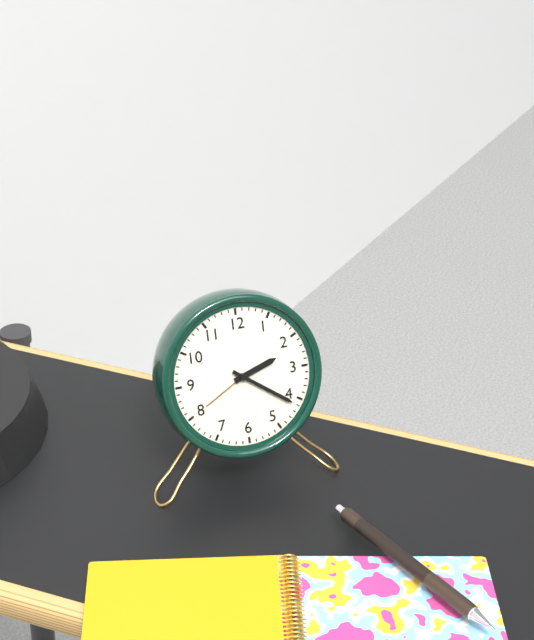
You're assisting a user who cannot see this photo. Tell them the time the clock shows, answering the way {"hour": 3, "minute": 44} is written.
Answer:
{"hour": 2, "minute": 21}
